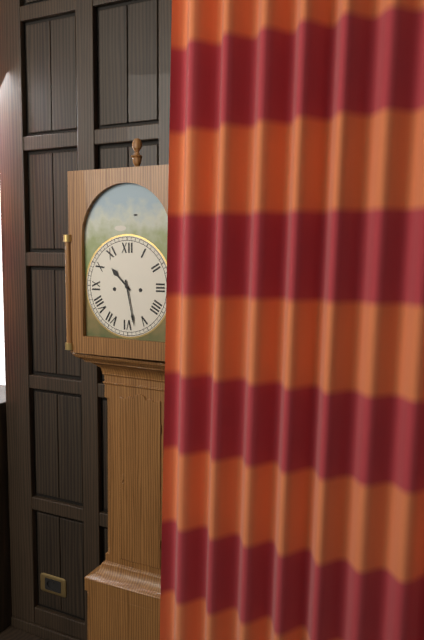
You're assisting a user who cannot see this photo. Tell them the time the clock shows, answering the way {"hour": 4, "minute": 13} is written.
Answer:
{"hour": 10, "minute": 28}
